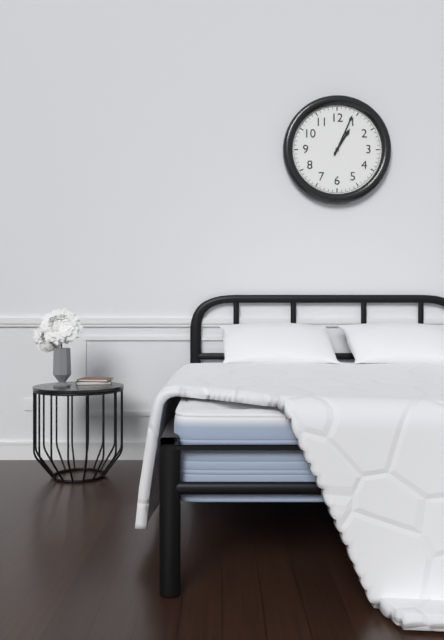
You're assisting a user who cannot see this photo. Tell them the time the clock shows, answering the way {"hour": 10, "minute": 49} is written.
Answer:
{"hour": 1, "minute": 4}
